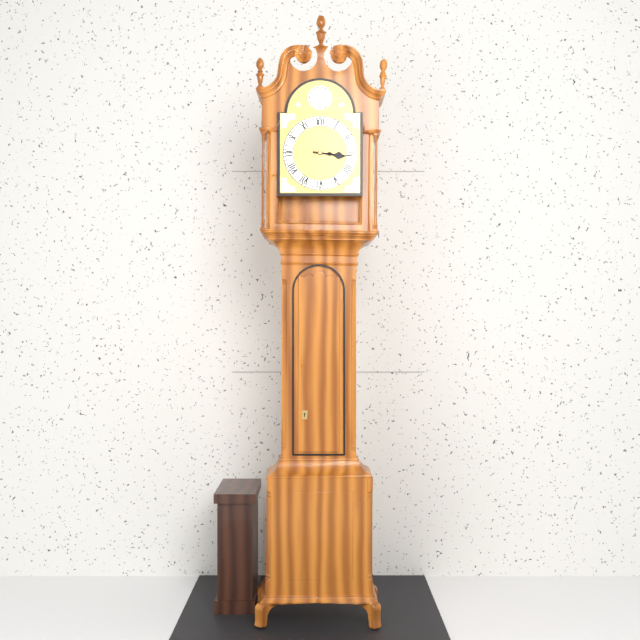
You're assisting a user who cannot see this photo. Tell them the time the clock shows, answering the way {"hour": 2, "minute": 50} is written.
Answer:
{"hour": 3, "minute": 16}
